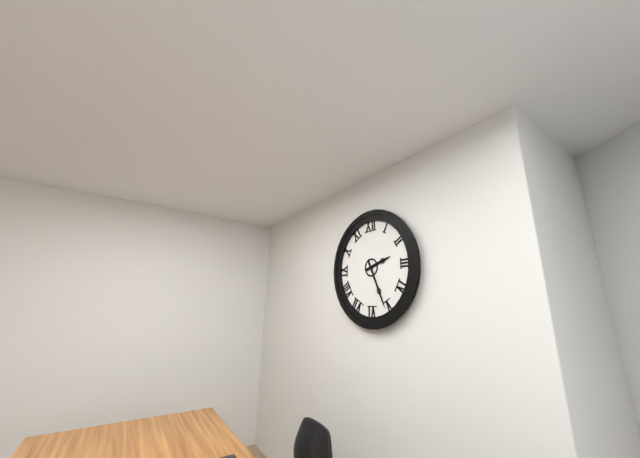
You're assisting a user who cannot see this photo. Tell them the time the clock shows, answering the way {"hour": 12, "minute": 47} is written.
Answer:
{"hour": 2, "minute": 26}
